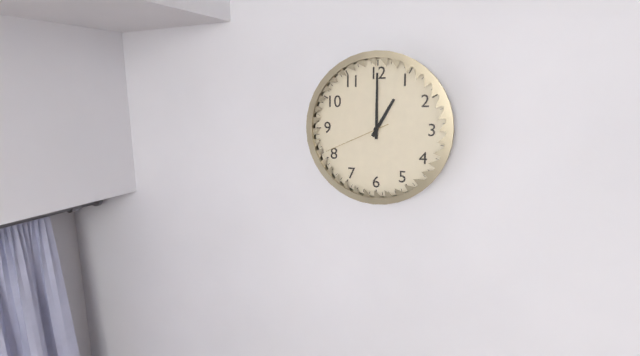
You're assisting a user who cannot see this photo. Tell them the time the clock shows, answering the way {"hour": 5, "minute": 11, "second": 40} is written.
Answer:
{"hour": 1, "minute": 0, "second": 41}
